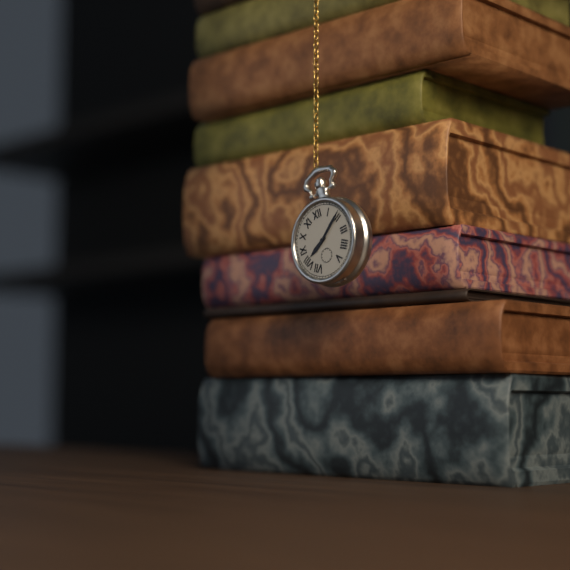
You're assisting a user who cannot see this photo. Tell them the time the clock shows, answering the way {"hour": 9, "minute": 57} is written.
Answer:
{"hour": 8, "minute": 9}
